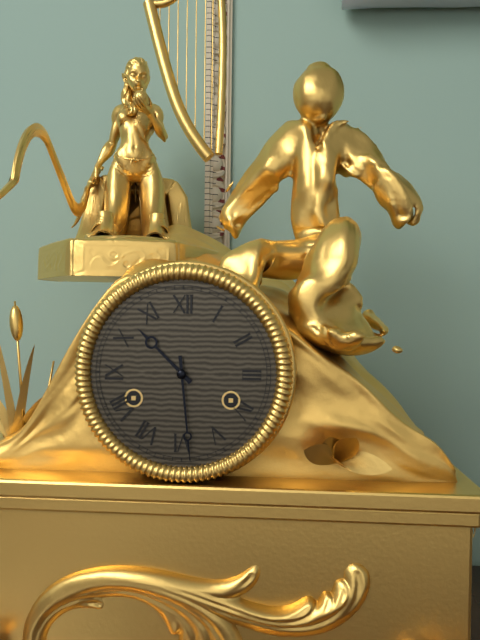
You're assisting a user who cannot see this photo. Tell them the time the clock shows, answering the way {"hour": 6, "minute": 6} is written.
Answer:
{"hour": 10, "minute": 29}
